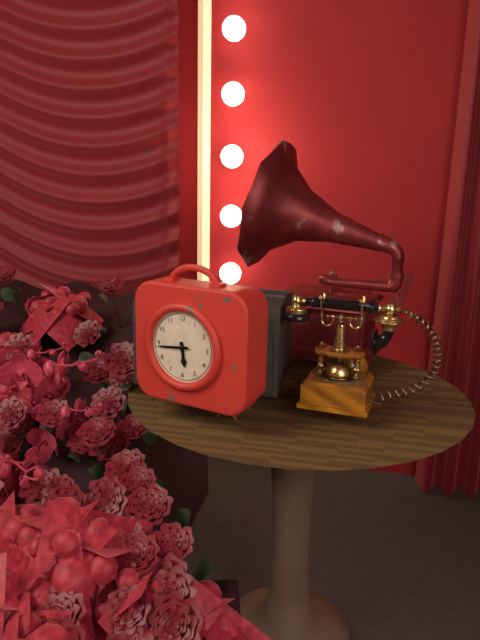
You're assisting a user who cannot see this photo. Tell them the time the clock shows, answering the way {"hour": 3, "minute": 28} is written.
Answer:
{"hour": 5, "minute": 44}
